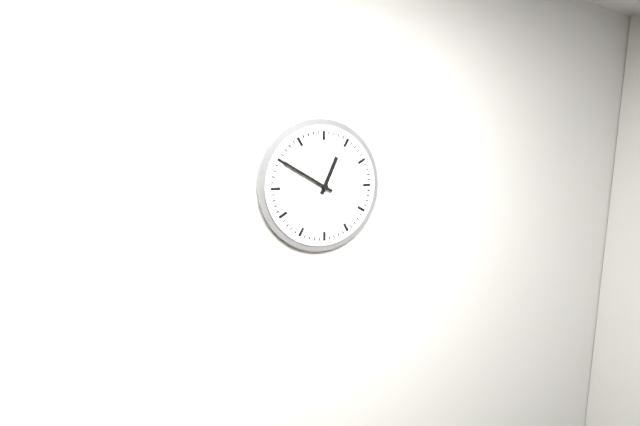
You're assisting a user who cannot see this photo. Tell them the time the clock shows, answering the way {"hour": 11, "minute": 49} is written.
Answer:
{"hour": 12, "minute": 50}
